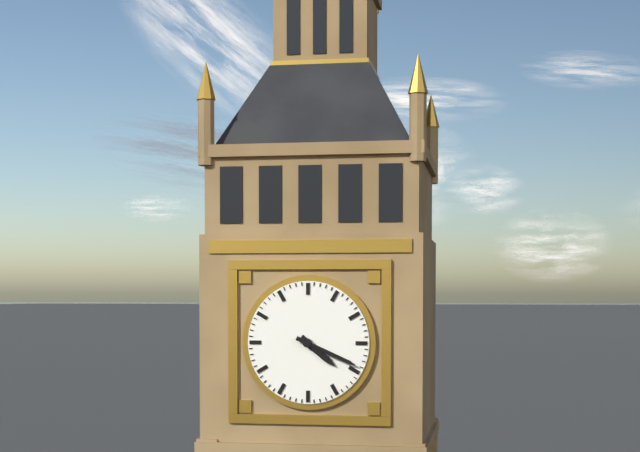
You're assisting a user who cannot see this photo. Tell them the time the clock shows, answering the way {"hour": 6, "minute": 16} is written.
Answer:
{"hour": 4, "minute": 19}
